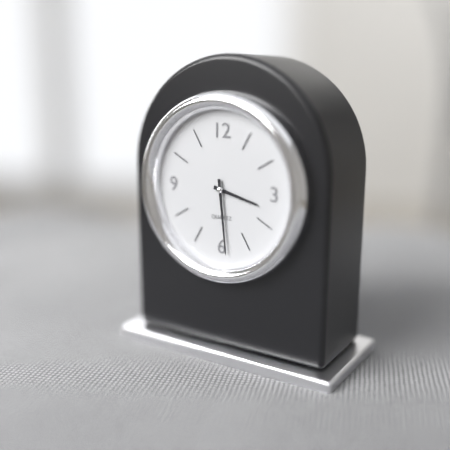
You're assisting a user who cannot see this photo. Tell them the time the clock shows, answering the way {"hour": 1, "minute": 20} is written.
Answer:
{"hour": 3, "minute": 29}
